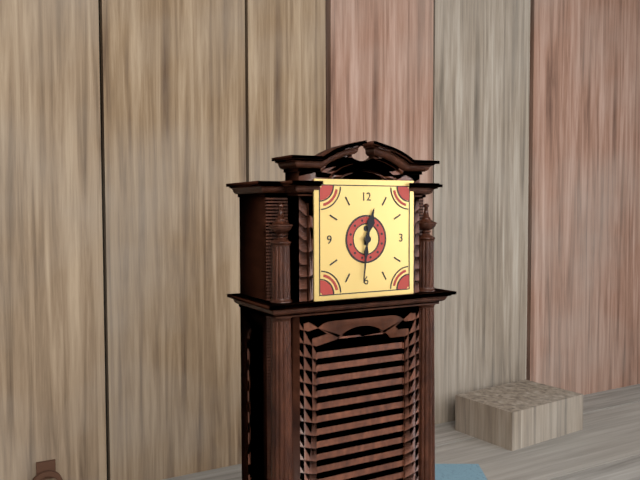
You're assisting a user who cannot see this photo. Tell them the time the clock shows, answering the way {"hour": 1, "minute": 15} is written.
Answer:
{"hour": 12, "minute": 31}
